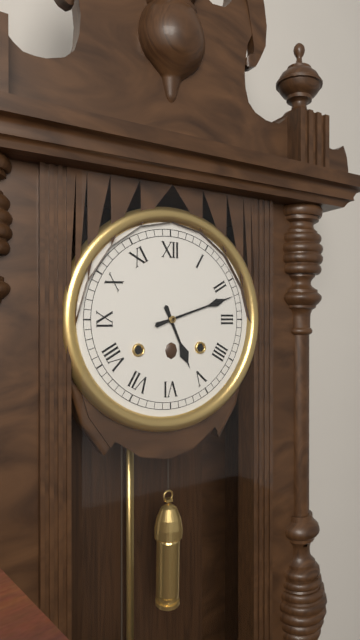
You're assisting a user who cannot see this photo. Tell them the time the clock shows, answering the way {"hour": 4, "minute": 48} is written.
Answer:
{"hour": 5, "minute": 12}
